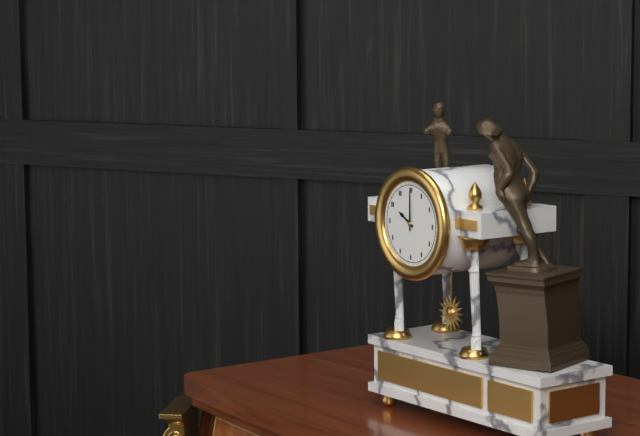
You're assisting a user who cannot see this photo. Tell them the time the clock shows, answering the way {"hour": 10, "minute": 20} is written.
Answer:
{"hour": 10, "minute": 0}
